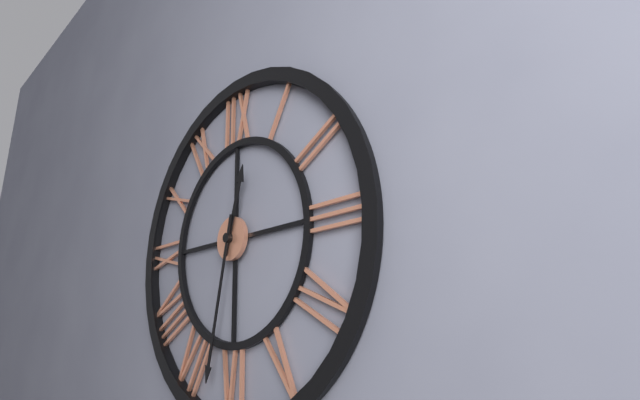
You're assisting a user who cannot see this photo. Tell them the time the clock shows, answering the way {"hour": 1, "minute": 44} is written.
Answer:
{"hour": 12, "minute": 32}
